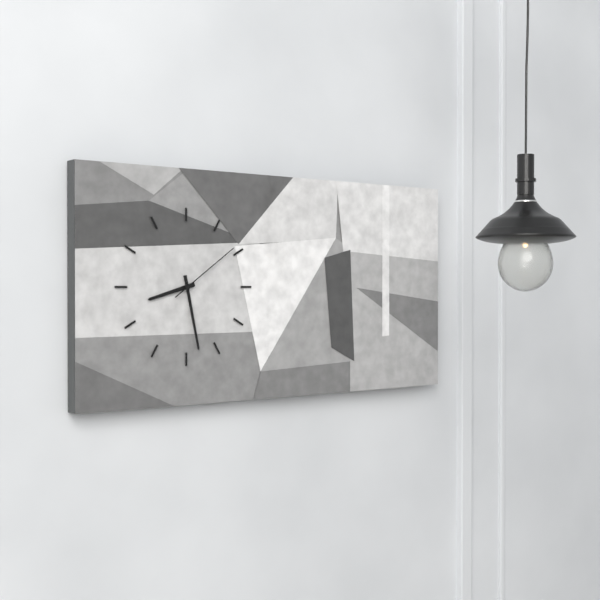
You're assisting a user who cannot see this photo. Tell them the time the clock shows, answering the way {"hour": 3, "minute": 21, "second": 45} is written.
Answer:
{"hour": 8, "minute": 28, "second": 9}
